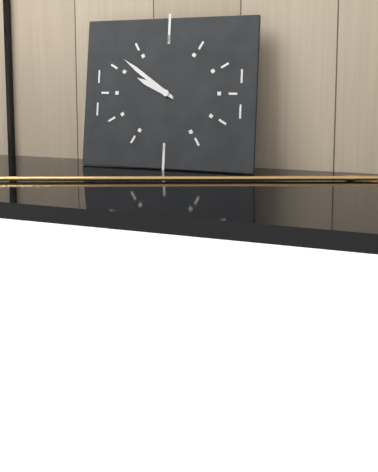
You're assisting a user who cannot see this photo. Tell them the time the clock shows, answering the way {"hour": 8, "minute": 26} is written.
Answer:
{"hour": 9, "minute": 51}
